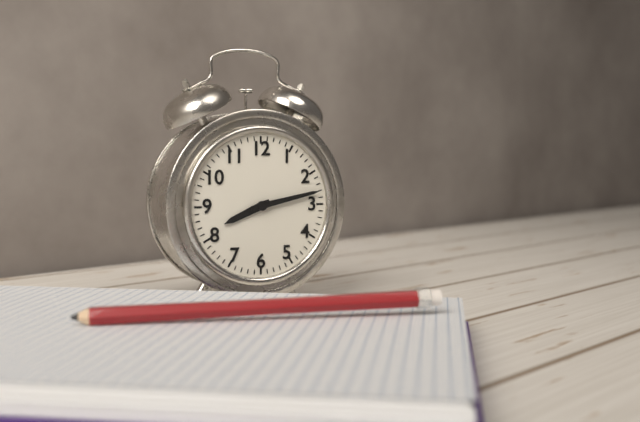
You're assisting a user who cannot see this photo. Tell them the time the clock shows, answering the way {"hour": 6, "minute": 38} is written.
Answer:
{"hour": 8, "minute": 13}
